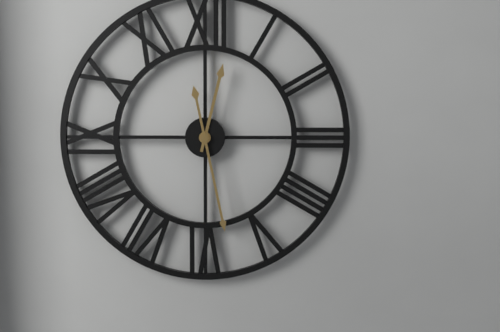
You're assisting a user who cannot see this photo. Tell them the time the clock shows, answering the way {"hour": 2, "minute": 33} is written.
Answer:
{"hour": 12, "minute": 28}
